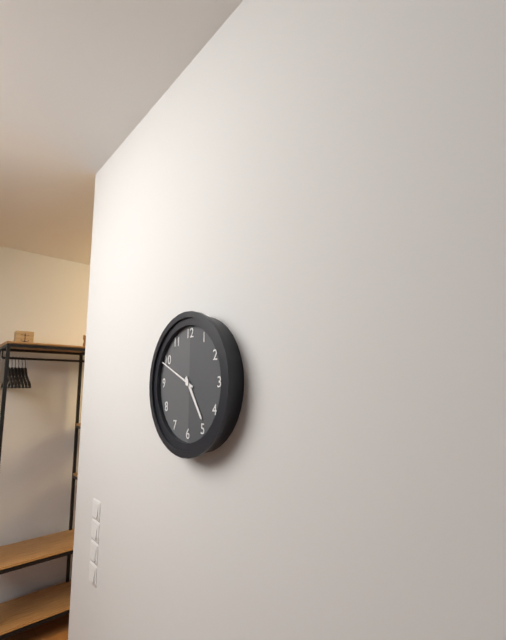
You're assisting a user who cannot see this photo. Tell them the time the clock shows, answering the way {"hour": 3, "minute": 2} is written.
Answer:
{"hour": 4, "minute": 49}
